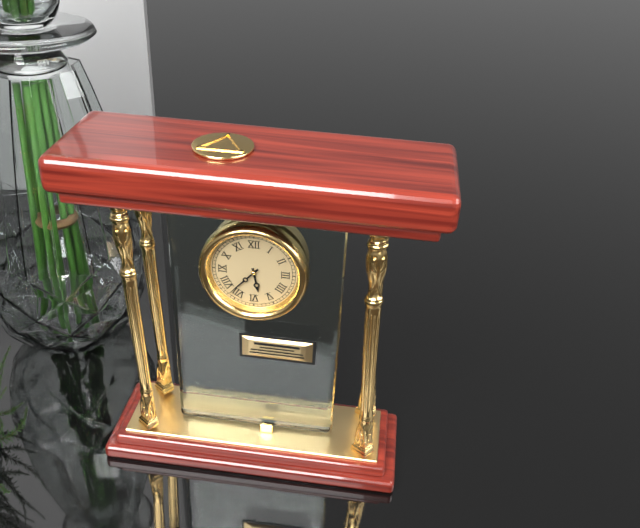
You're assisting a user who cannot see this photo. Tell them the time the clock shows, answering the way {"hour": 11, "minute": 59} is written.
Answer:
{"hour": 5, "minute": 37}
